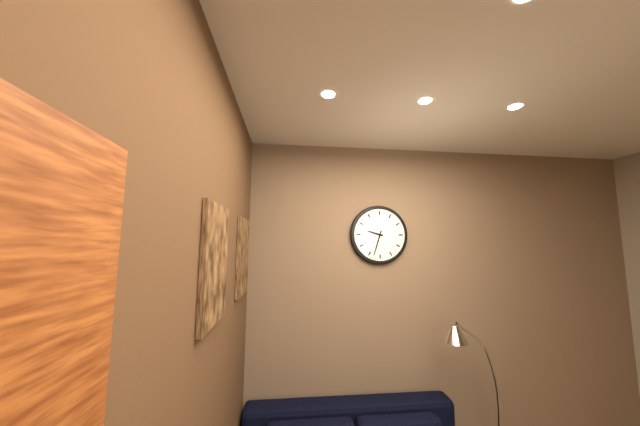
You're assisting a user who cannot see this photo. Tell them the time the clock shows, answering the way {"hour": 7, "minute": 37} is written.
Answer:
{"hour": 9, "minute": 33}
